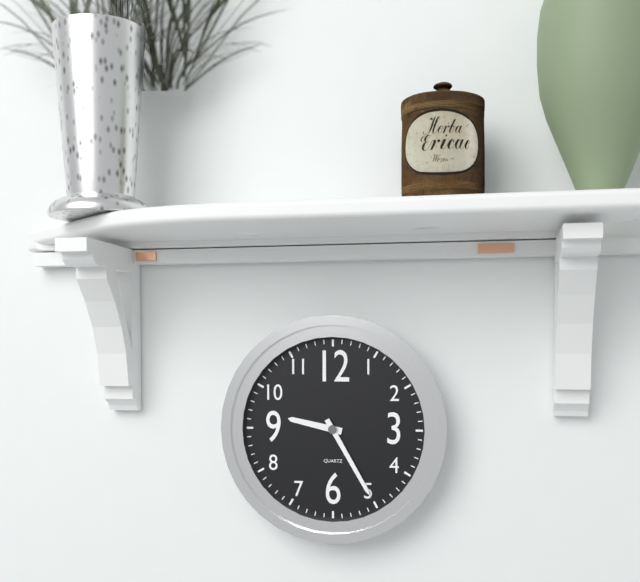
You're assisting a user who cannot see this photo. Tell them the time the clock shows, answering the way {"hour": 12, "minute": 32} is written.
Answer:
{"hour": 9, "minute": 25}
